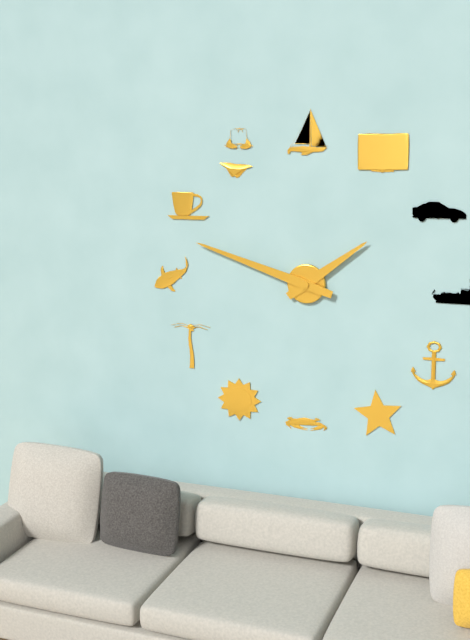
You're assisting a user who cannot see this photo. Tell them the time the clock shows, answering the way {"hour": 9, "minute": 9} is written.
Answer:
{"hour": 1, "minute": 48}
